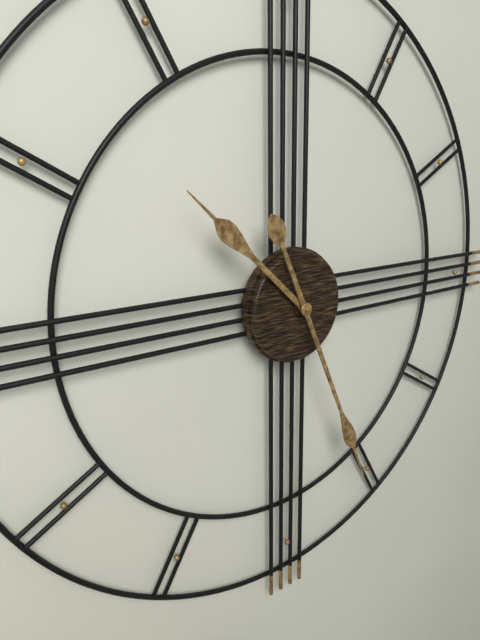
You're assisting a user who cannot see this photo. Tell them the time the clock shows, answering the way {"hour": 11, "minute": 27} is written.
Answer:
{"hour": 10, "minute": 26}
